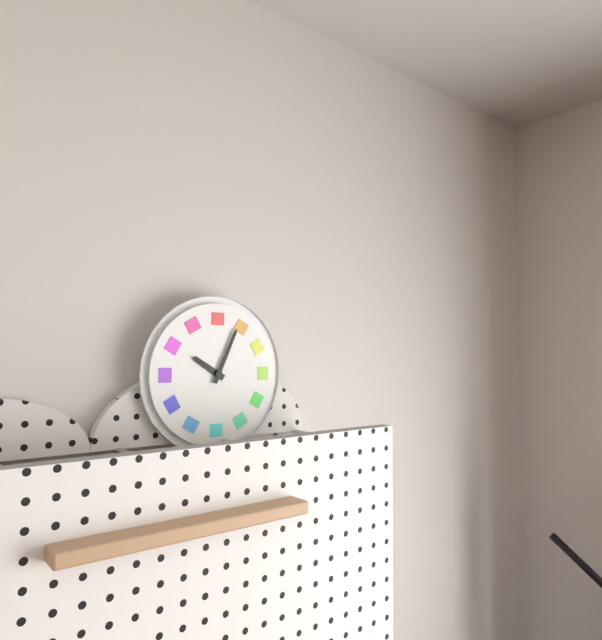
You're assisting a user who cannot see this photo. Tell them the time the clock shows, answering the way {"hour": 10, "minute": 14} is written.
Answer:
{"hour": 10, "minute": 4}
